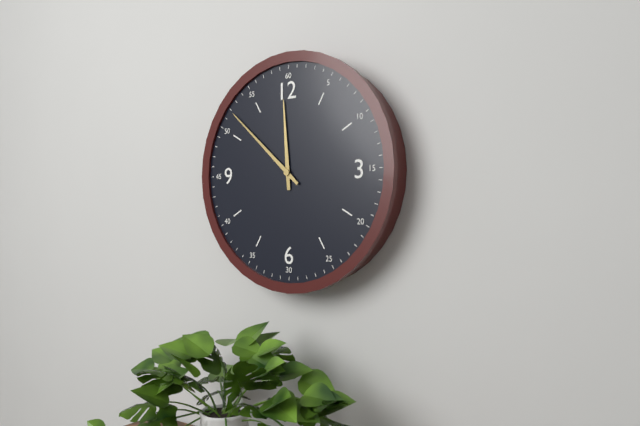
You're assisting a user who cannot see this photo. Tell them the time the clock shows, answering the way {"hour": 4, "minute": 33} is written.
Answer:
{"hour": 11, "minute": 52}
